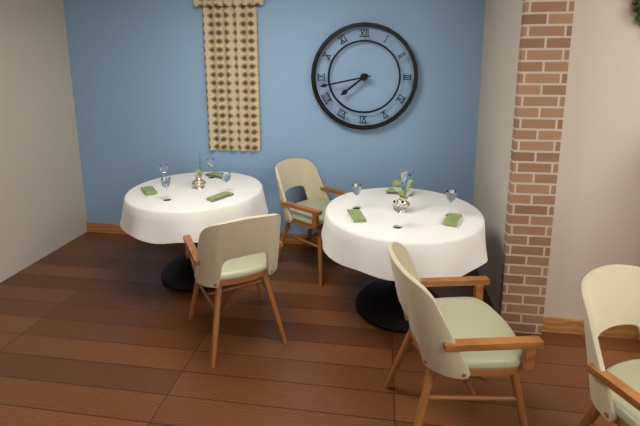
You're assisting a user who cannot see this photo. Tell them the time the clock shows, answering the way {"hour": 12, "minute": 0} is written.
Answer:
{"hour": 7, "minute": 43}
